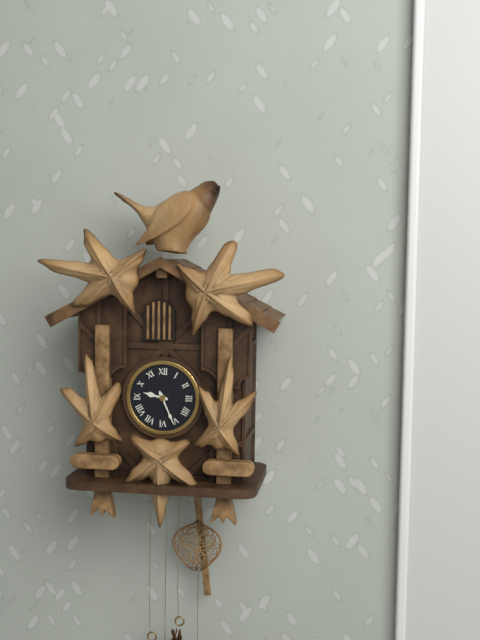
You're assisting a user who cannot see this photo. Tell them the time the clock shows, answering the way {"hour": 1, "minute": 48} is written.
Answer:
{"hour": 9, "minute": 26}
